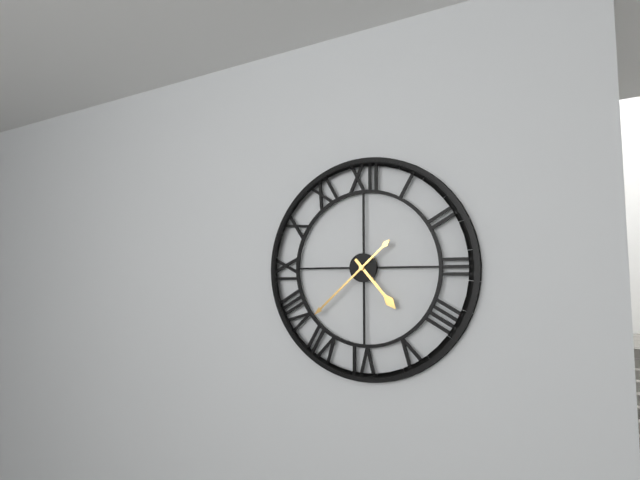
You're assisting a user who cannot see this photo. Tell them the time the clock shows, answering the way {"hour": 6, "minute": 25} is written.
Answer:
{"hour": 4, "minute": 38}
